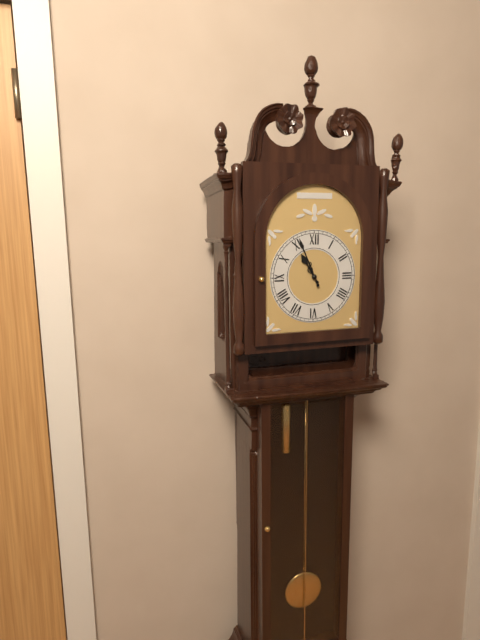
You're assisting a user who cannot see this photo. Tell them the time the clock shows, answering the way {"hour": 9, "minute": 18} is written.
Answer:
{"hour": 10, "minute": 56}
